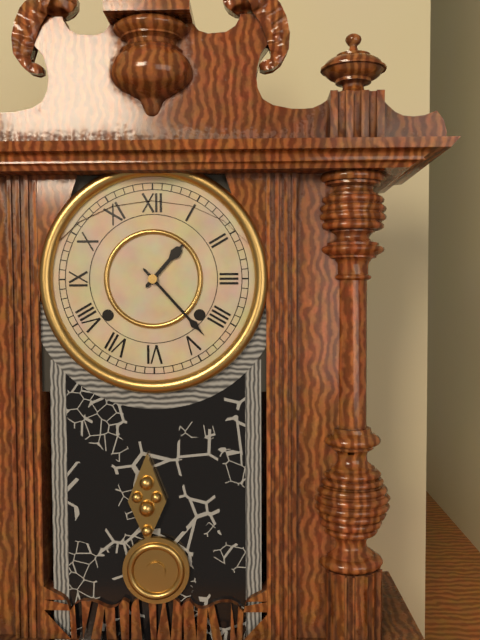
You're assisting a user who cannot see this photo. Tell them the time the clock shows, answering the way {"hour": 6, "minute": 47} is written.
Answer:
{"hour": 1, "minute": 23}
